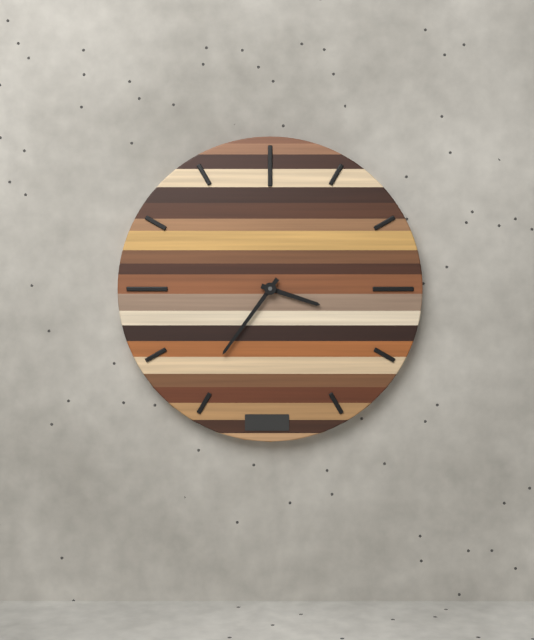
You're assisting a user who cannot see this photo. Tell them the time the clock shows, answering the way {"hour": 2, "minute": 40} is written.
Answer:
{"hour": 3, "minute": 36}
